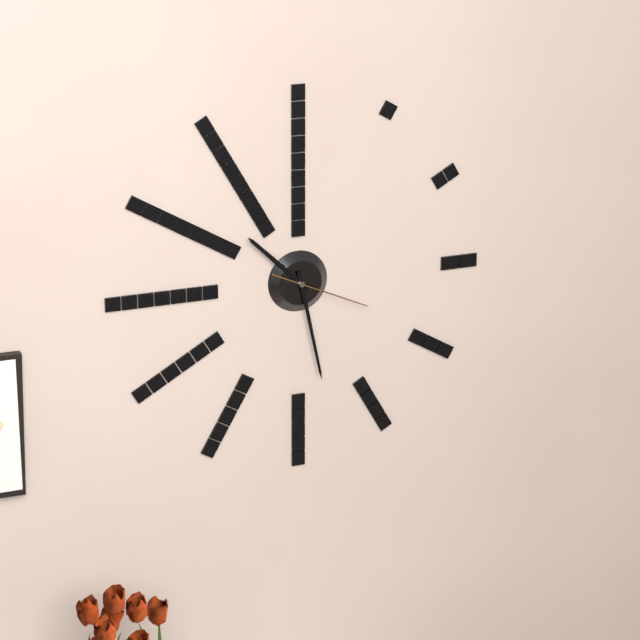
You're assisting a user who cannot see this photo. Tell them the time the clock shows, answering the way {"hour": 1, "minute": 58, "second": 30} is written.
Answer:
{"hour": 10, "minute": 28, "second": 19}
